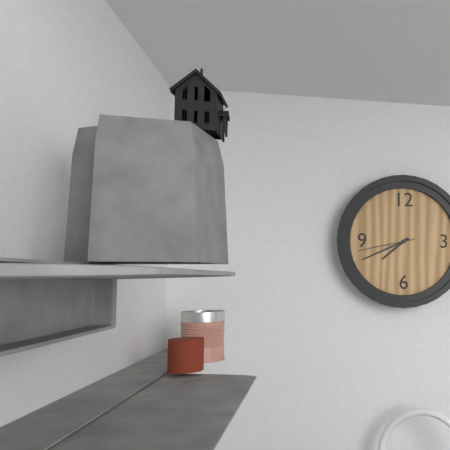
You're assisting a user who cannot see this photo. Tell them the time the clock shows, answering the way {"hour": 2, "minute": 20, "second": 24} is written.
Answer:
{"hour": 7, "minute": 41, "second": 43}
